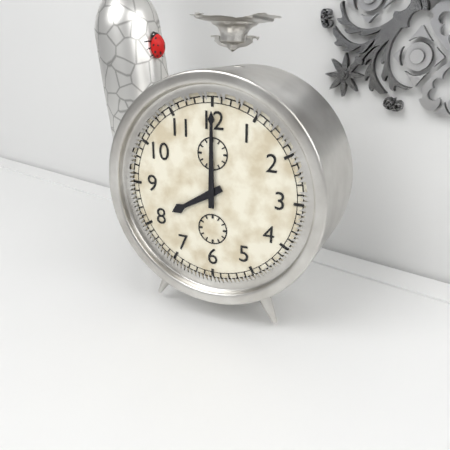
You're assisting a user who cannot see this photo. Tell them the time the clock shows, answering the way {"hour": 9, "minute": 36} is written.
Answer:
{"hour": 8, "minute": 0}
